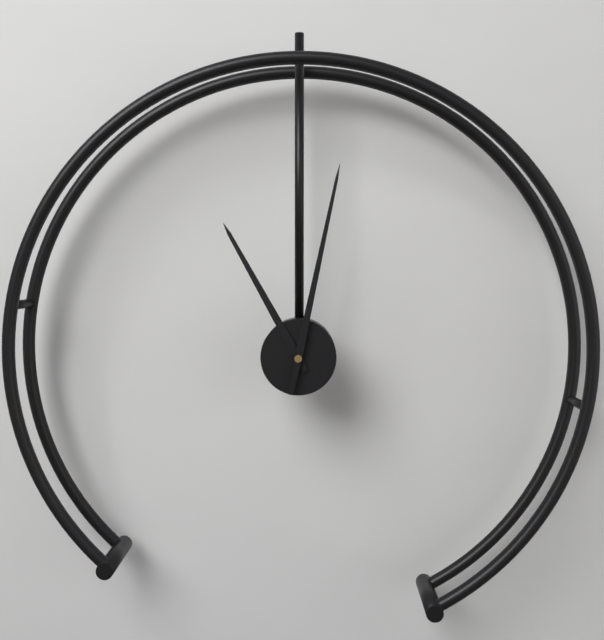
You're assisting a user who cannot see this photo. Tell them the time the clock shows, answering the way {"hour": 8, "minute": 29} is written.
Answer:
{"hour": 11, "minute": 2}
